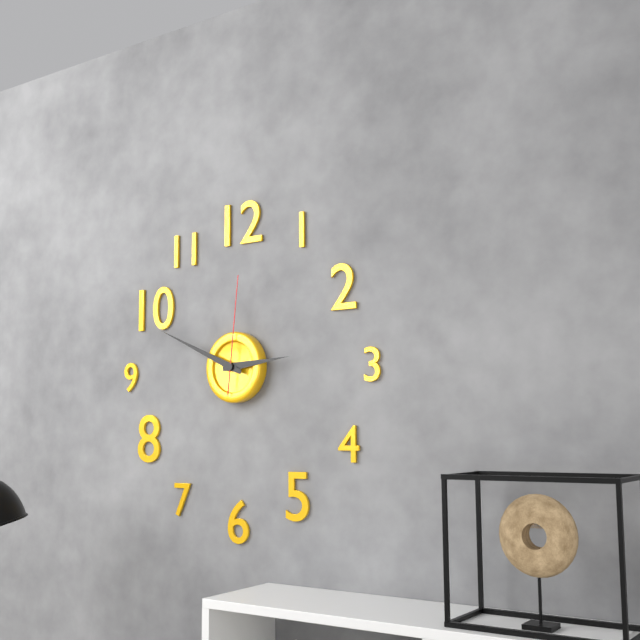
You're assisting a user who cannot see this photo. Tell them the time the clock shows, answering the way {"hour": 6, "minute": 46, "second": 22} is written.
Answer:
{"hour": 2, "minute": 49, "second": 1}
